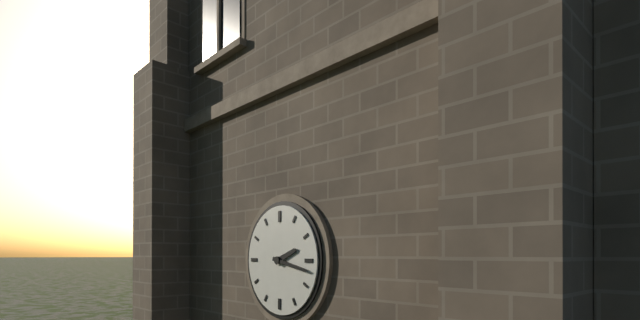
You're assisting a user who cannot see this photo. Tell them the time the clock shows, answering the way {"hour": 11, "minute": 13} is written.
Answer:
{"hour": 2, "minute": 17}
